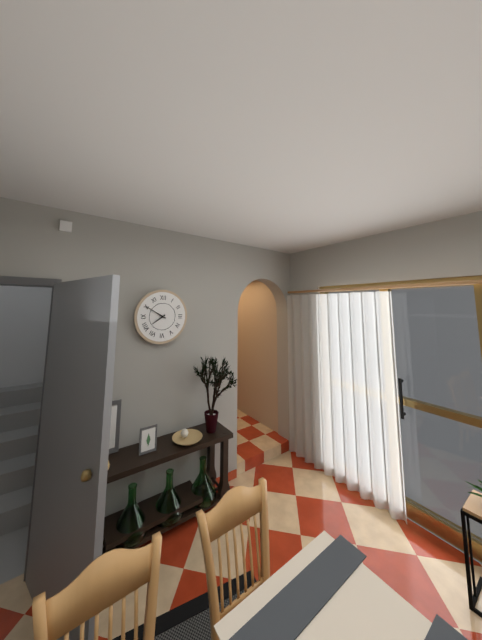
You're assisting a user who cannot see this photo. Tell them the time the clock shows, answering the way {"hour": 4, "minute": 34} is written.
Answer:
{"hour": 7, "minute": 50}
